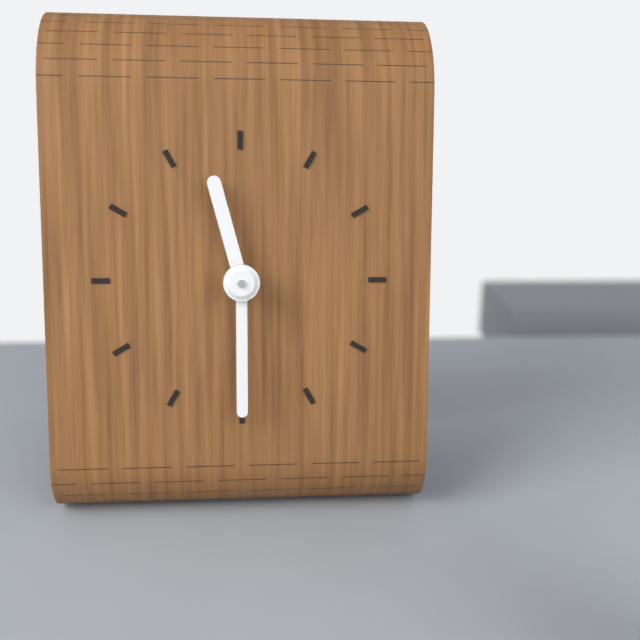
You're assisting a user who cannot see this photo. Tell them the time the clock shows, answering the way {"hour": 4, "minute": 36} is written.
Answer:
{"hour": 11, "minute": 30}
